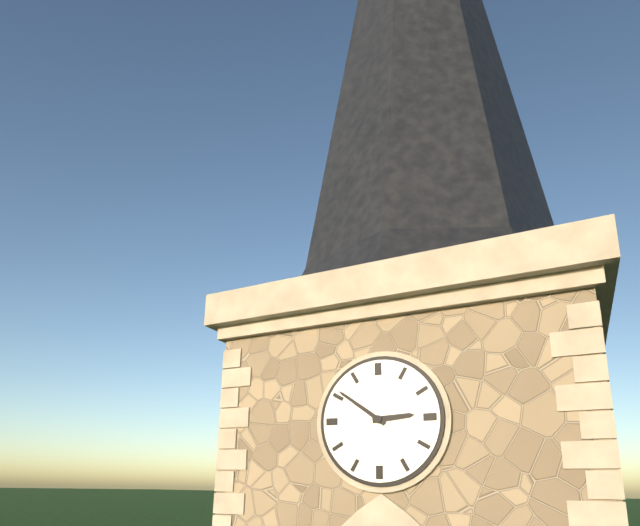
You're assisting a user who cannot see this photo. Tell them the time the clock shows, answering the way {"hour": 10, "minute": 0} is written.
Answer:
{"hour": 2, "minute": 51}
